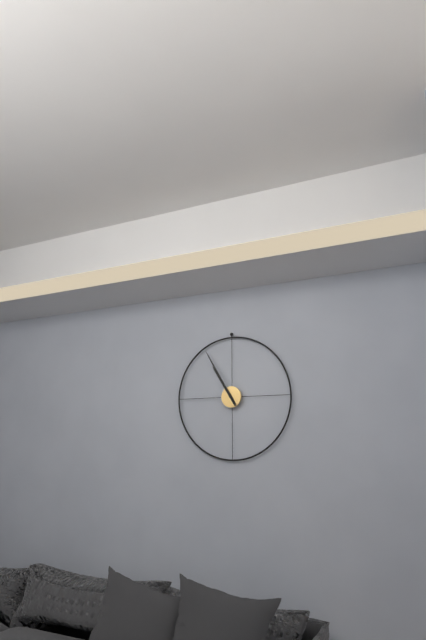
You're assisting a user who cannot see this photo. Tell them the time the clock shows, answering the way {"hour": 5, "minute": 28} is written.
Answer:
{"hour": 10, "minute": 55}
